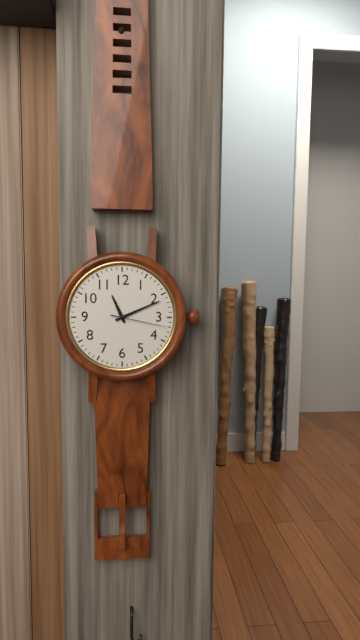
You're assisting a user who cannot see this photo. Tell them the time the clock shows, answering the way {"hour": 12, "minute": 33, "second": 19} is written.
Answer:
{"hour": 11, "minute": 11, "second": 17}
